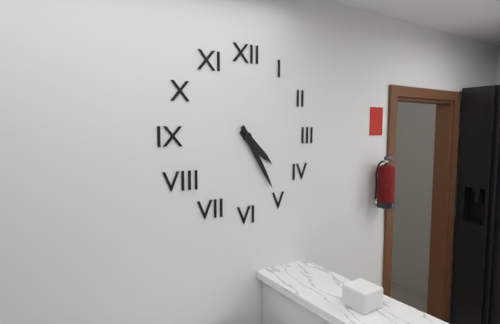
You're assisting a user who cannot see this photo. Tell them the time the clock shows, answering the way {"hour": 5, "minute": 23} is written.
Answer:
{"hour": 4, "minute": 25}
